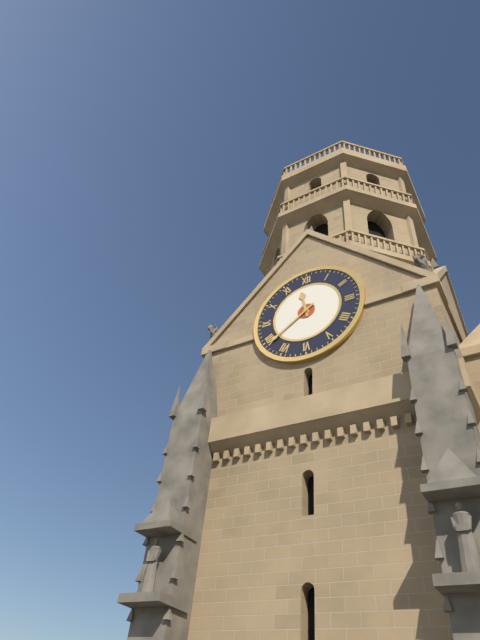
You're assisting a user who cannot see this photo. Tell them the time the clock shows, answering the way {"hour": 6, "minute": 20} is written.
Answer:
{"hour": 11, "minute": 39}
